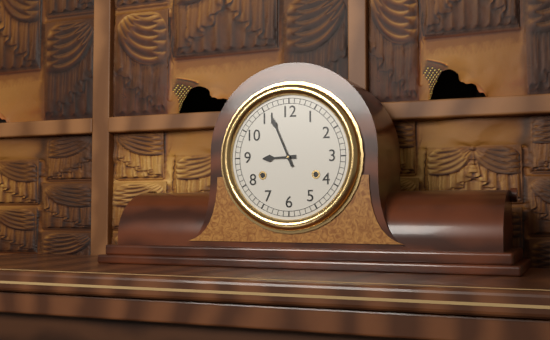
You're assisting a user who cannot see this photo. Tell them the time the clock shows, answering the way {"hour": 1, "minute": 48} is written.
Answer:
{"hour": 8, "minute": 56}
